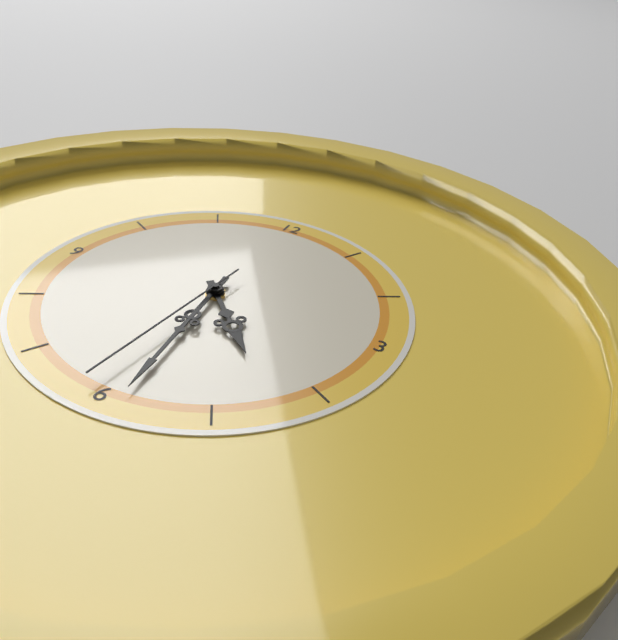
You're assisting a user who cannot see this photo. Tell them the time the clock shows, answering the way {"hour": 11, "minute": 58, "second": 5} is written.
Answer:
{"hour": 4, "minute": 29, "second": 31}
